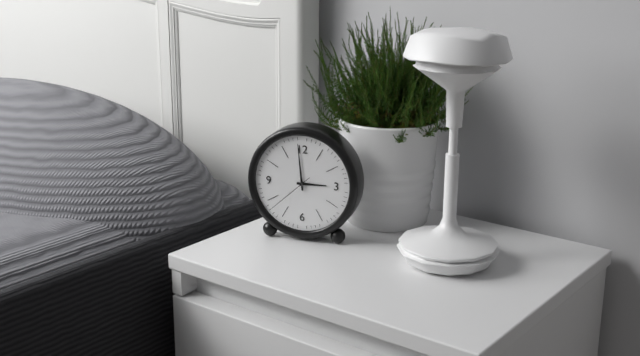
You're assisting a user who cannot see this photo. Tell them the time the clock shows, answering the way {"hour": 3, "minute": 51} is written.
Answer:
{"hour": 2, "minute": 59}
